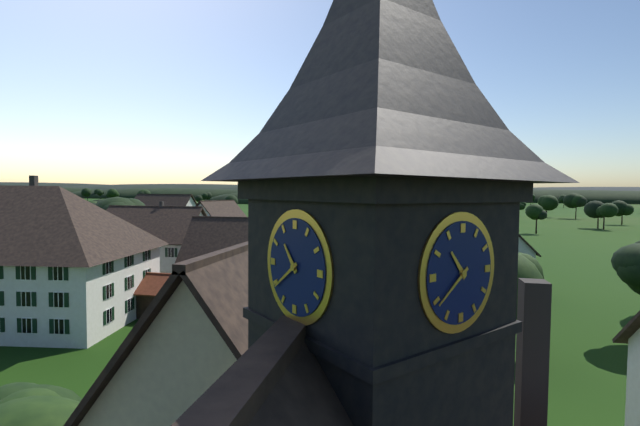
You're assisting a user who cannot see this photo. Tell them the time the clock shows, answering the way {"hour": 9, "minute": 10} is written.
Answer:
{"hour": 10, "minute": 39}
